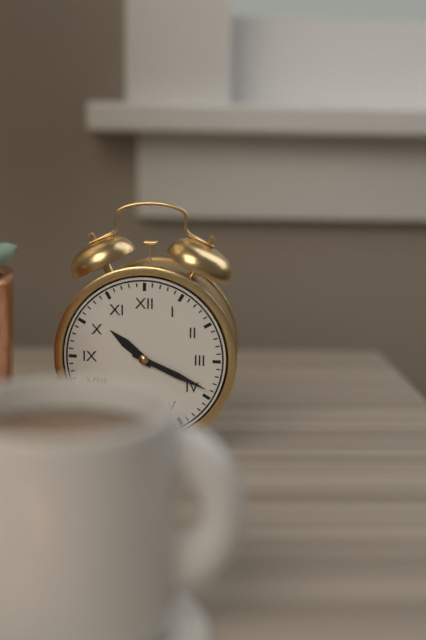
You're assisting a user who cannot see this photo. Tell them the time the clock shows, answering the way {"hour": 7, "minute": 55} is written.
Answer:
{"hour": 10, "minute": 19}
